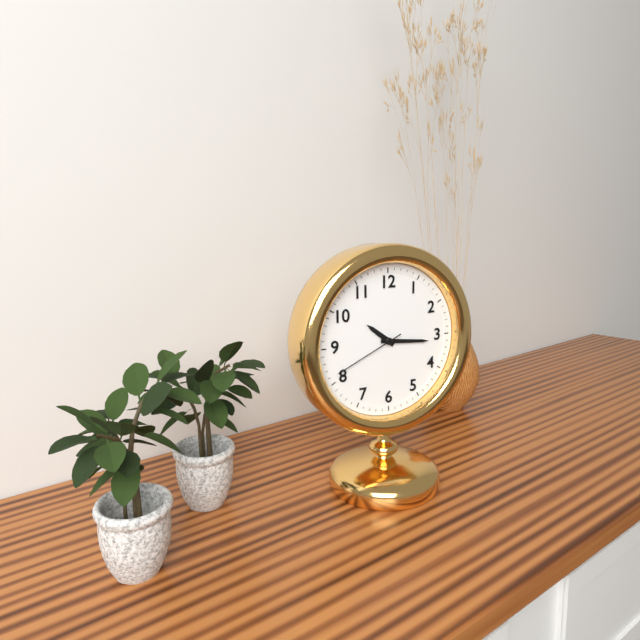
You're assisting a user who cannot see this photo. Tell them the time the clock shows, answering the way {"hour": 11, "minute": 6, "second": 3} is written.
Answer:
{"hour": 10, "minute": 16, "second": 41}
